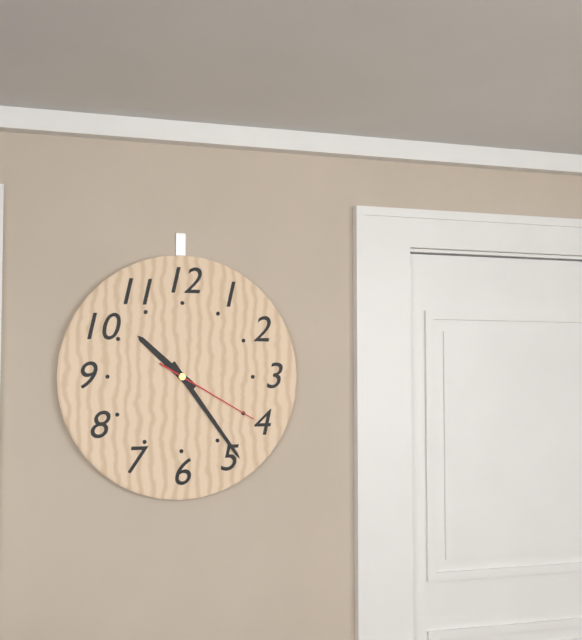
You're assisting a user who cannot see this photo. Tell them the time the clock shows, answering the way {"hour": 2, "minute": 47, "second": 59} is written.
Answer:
{"hour": 10, "minute": 24, "second": 20}
